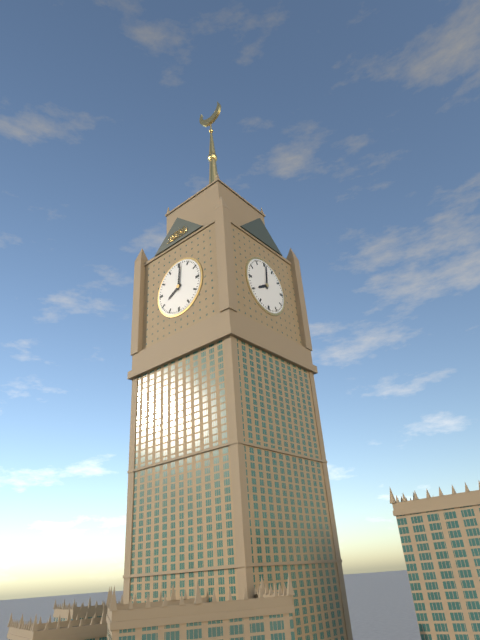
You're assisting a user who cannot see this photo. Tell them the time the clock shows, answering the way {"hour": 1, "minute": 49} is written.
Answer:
{"hour": 8, "minute": 1}
